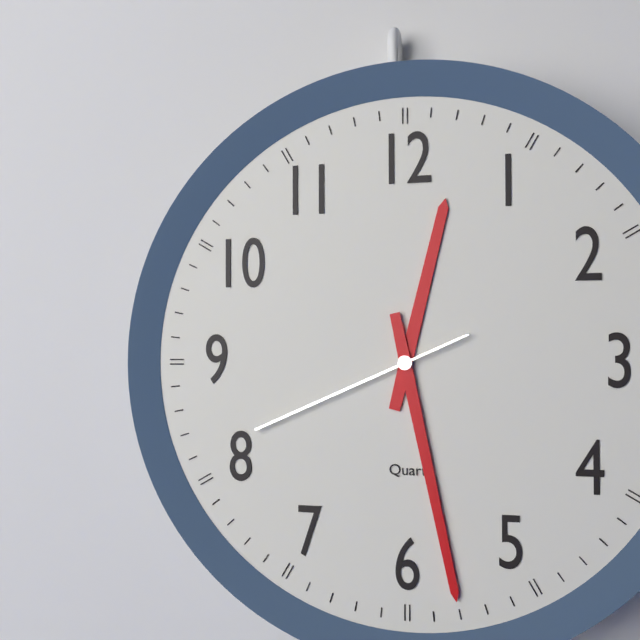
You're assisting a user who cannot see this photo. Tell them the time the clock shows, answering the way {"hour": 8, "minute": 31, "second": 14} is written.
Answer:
{"hour": 12, "minute": 28, "second": 41}
